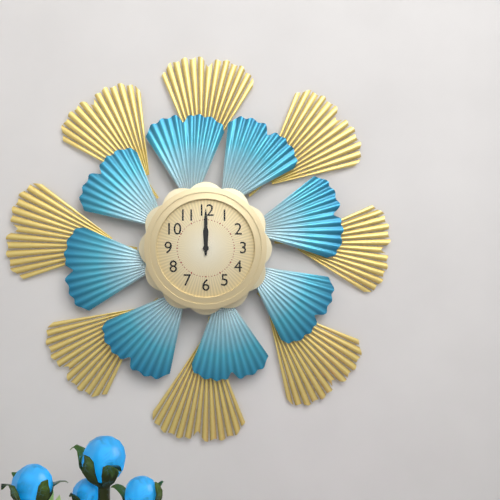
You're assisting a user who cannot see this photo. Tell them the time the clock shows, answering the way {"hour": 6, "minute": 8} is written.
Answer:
{"hour": 12, "minute": 0}
